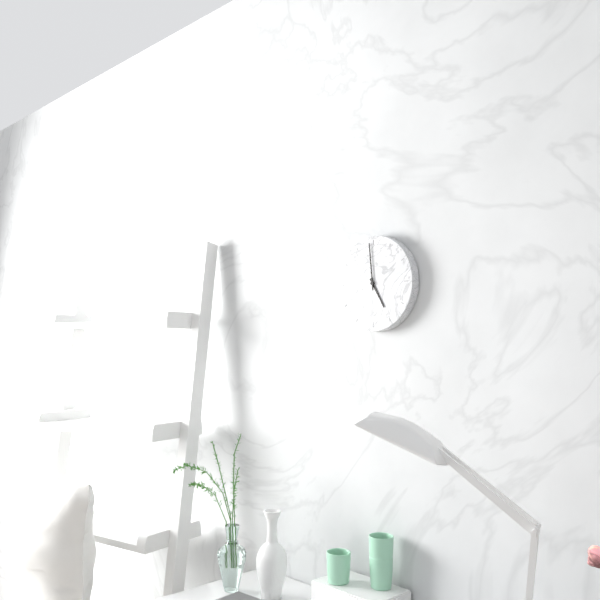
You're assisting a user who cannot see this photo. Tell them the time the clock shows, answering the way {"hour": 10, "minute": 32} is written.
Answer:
{"hour": 4, "minute": 59}
